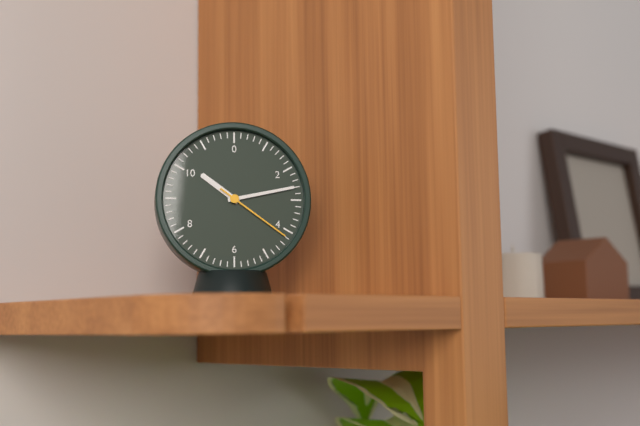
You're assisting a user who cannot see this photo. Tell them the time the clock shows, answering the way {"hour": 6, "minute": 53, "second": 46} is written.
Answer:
{"hour": 10, "minute": 13, "second": 21}
